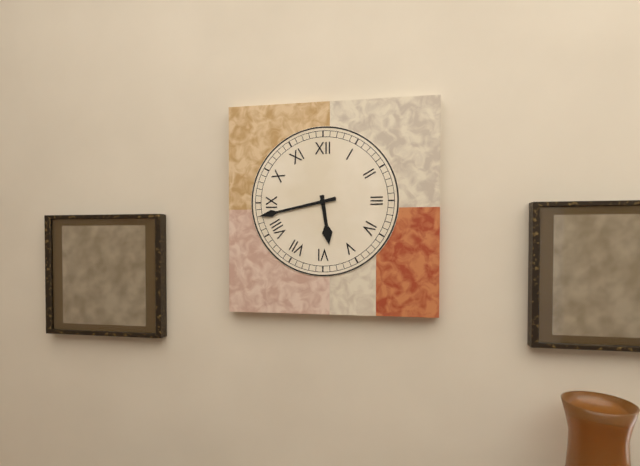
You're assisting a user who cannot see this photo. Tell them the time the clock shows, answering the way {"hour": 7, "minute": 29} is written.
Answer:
{"hour": 5, "minute": 43}
